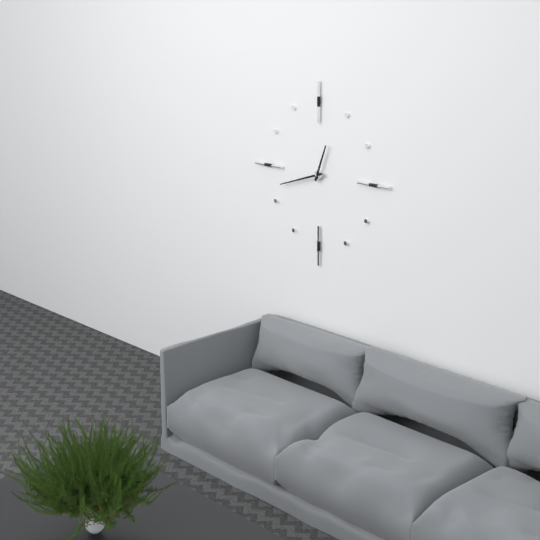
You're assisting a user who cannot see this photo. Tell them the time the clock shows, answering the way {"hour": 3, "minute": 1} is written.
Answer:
{"hour": 12, "minute": 42}
